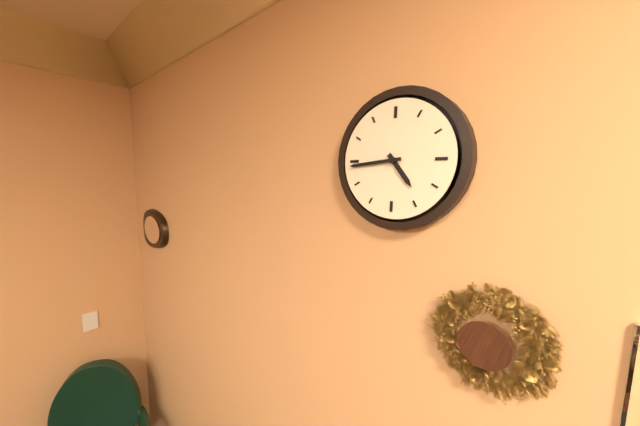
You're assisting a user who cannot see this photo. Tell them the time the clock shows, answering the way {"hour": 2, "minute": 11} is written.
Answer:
{"hour": 4, "minute": 44}
